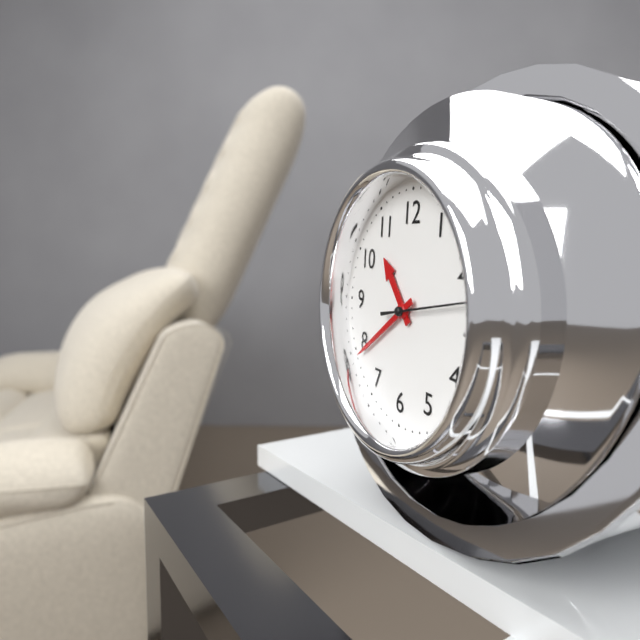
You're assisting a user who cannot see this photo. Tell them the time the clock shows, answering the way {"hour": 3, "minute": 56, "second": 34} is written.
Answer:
{"hour": 10, "minute": 39, "second": 13}
